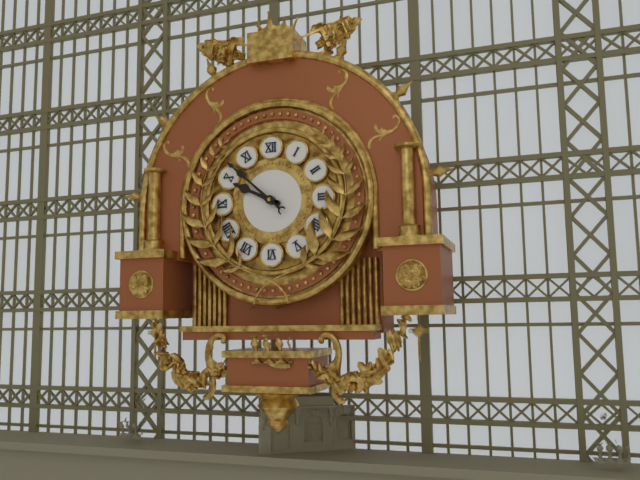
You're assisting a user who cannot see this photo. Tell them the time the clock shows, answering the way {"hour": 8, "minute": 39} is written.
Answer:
{"hour": 9, "minute": 52}
